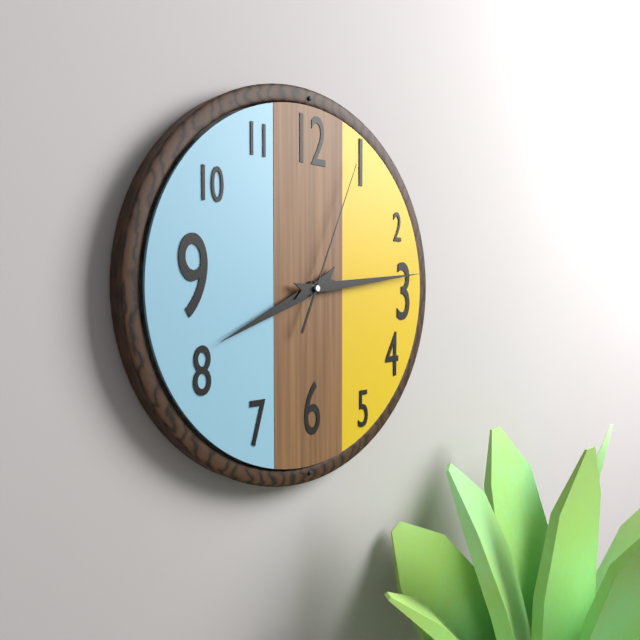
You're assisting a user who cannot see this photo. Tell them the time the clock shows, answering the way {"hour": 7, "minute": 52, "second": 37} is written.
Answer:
{"hour": 8, "minute": 14, "second": 4}
